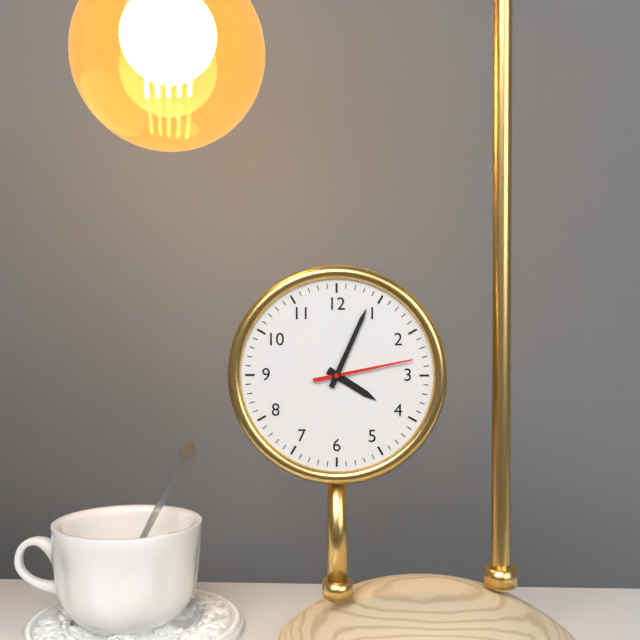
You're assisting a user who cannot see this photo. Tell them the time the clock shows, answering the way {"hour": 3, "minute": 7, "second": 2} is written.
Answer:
{"hour": 4, "minute": 4, "second": 13}
